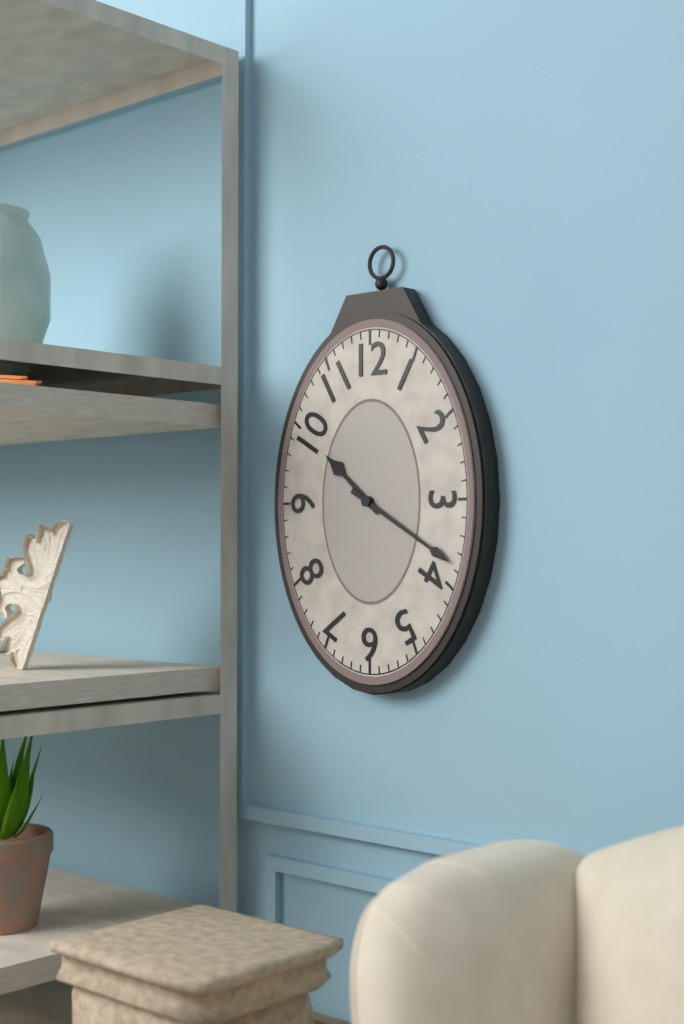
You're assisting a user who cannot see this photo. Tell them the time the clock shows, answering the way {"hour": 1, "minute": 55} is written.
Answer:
{"hour": 10, "minute": 20}
